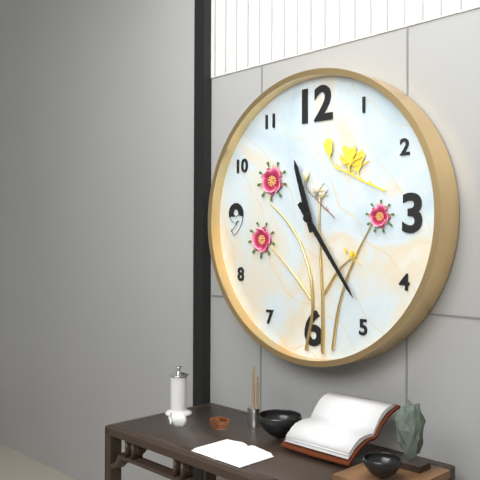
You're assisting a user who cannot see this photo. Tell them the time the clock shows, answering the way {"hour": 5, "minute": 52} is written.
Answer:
{"hour": 11, "minute": 24}
